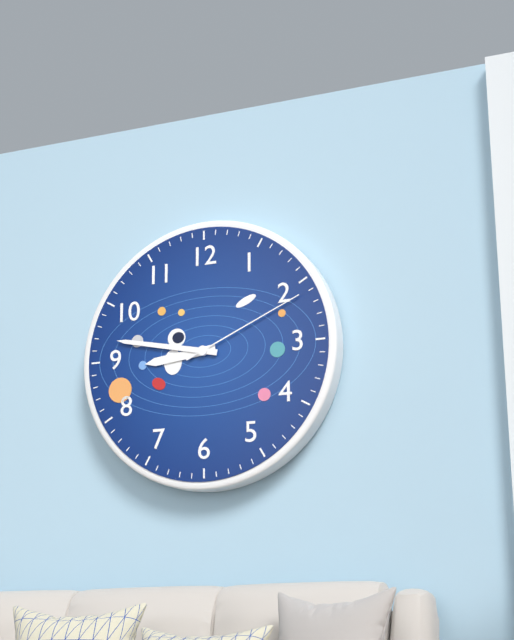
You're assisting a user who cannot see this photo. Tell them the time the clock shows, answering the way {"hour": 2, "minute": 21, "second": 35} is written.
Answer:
{"hour": 8, "minute": 47, "second": 11}
